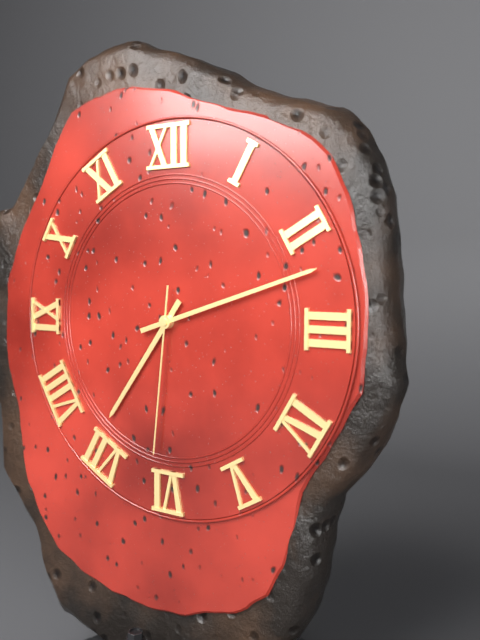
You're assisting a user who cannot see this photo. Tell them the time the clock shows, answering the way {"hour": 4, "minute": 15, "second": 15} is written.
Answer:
{"hour": 7, "minute": 12, "second": 31}
